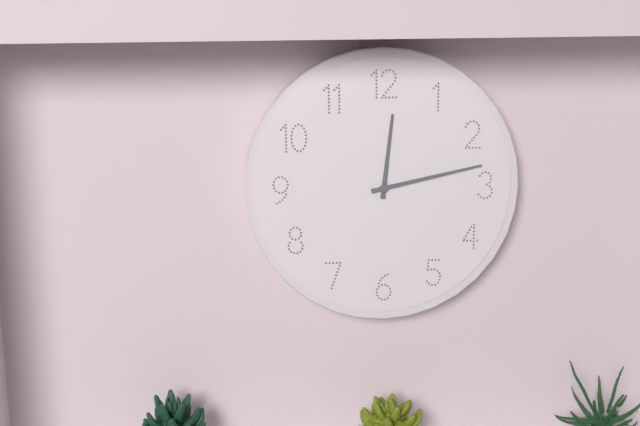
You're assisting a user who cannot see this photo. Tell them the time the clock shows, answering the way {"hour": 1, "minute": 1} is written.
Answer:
{"hour": 12, "minute": 13}
